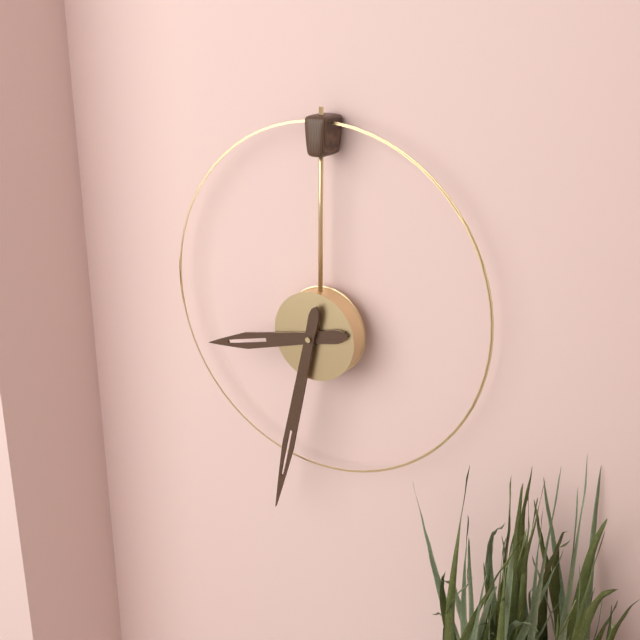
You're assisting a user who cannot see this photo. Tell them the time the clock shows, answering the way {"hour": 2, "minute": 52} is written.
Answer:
{"hour": 8, "minute": 32}
